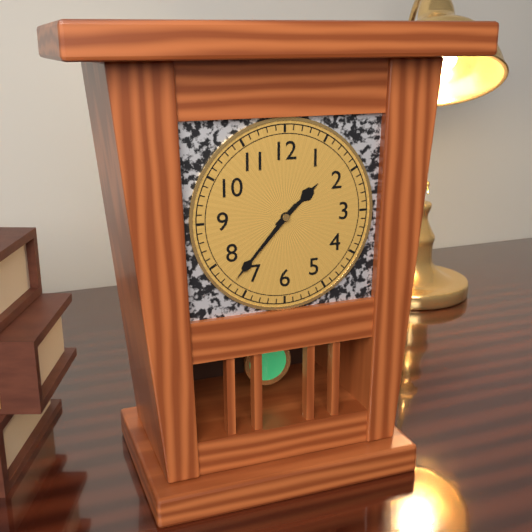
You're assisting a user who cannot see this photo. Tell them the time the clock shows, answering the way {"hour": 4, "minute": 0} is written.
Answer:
{"hour": 1, "minute": 37}
